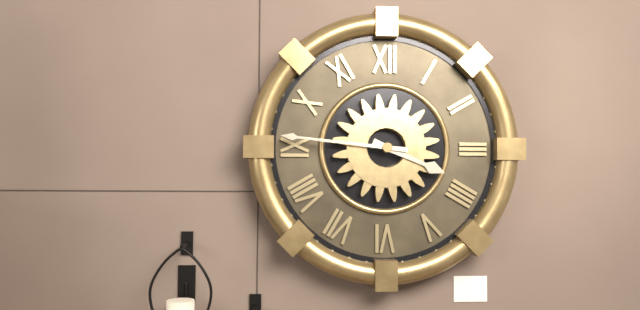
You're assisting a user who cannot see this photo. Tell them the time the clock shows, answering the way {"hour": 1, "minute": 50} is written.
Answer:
{"hour": 3, "minute": 46}
